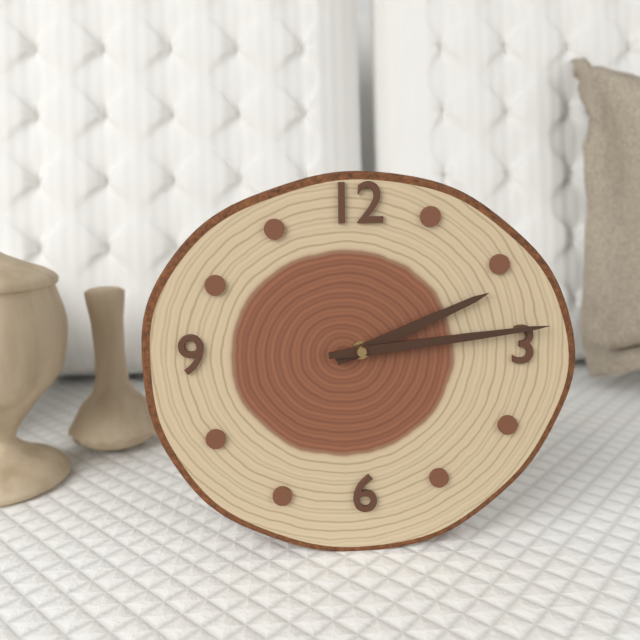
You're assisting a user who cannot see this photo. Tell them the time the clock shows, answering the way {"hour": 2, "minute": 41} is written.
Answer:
{"hour": 2, "minute": 14}
